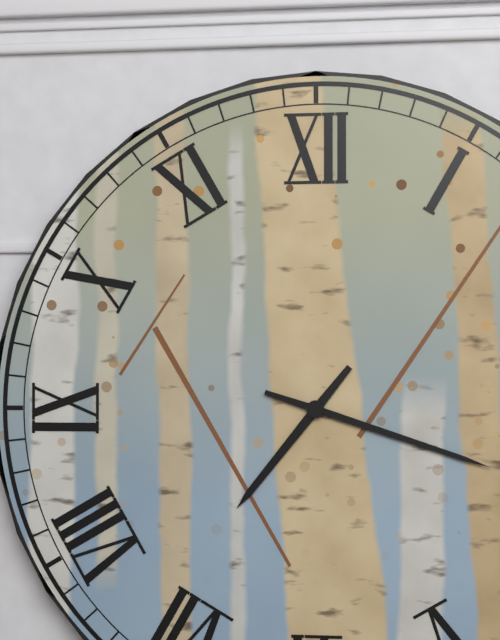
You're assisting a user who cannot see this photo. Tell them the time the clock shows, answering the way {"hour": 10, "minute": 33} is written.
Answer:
{"hour": 7, "minute": 18}
